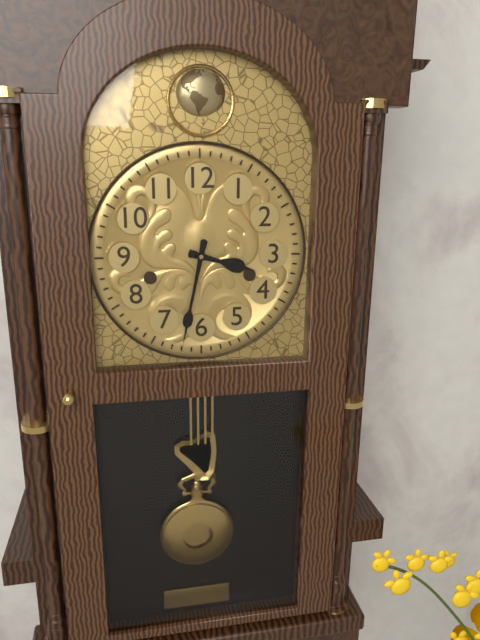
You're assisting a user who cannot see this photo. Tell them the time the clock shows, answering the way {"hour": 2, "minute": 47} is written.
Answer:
{"hour": 3, "minute": 32}
